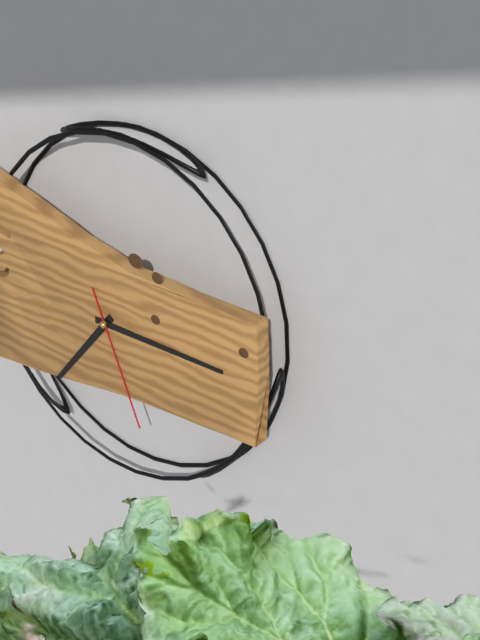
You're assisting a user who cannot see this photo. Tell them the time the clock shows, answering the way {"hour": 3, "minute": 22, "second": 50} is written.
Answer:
{"hour": 7, "minute": 15, "second": 26}
